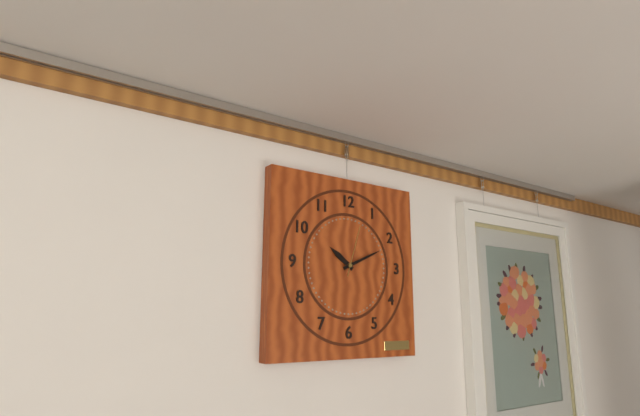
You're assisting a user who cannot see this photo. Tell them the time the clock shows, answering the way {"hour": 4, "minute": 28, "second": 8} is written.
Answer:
{"hour": 10, "minute": 11, "second": 3}
